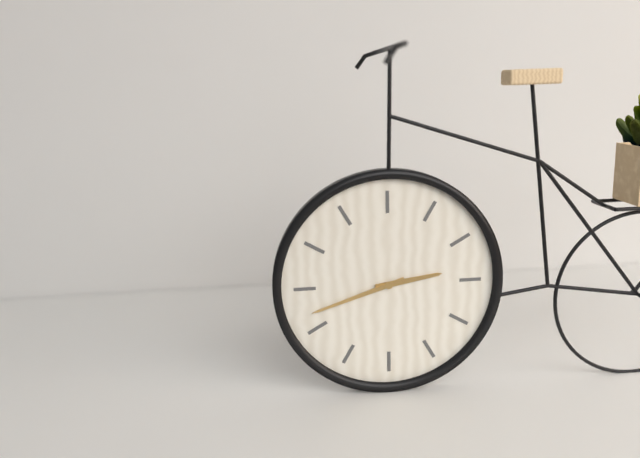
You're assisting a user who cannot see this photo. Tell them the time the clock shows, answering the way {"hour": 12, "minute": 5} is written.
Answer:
{"hour": 2, "minute": 42}
